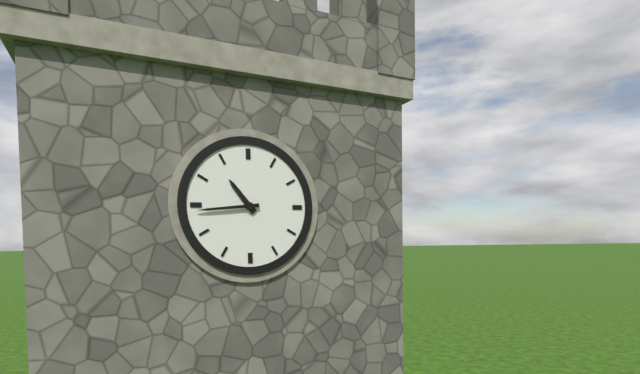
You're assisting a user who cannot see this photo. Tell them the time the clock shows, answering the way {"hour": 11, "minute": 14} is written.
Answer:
{"hour": 10, "minute": 44}
